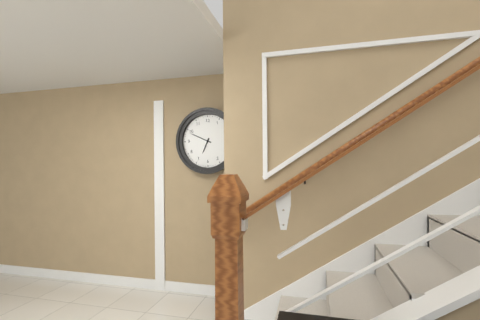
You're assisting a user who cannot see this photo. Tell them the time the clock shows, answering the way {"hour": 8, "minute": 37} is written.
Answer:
{"hour": 6, "minute": 49}
